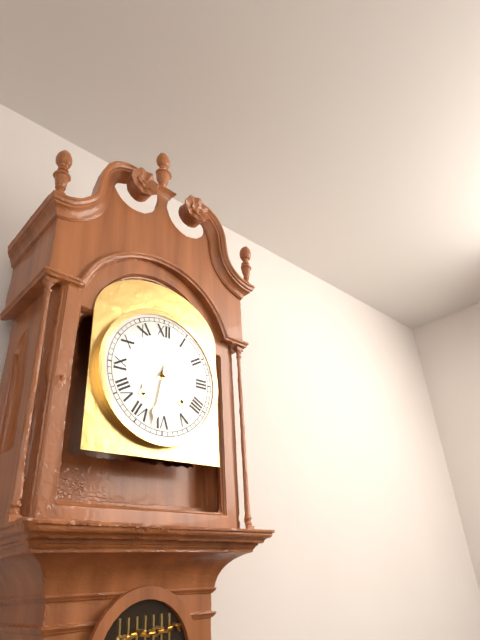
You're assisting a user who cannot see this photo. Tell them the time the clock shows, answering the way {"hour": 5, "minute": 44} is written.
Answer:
{"hour": 7, "minute": 32}
